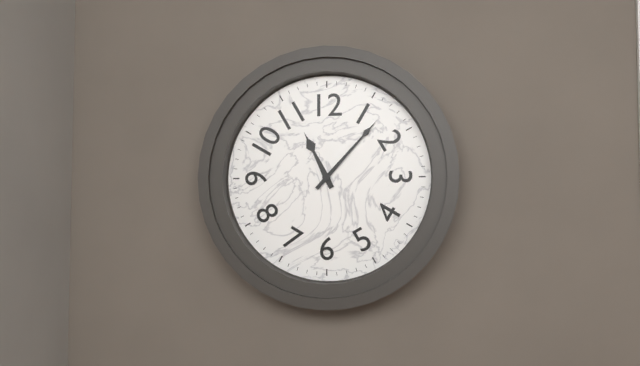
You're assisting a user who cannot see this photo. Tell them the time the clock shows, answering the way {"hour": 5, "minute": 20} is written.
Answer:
{"hour": 11, "minute": 7}
